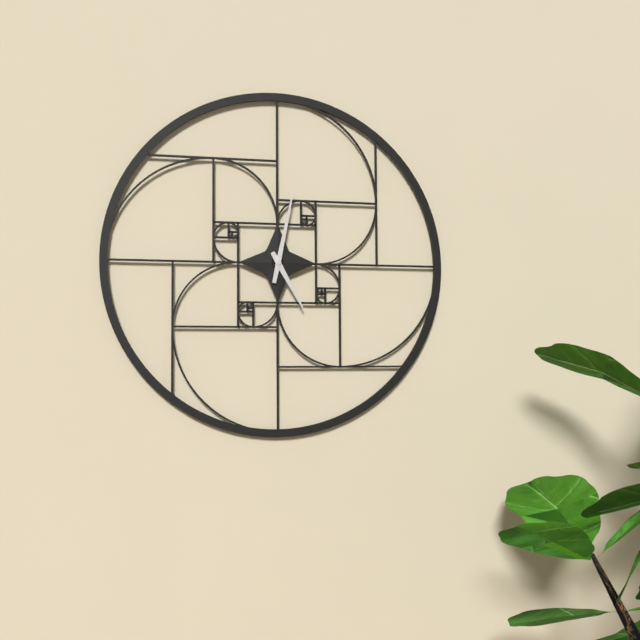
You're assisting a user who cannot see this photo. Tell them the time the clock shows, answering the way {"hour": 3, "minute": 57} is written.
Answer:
{"hour": 5, "minute": 2}
